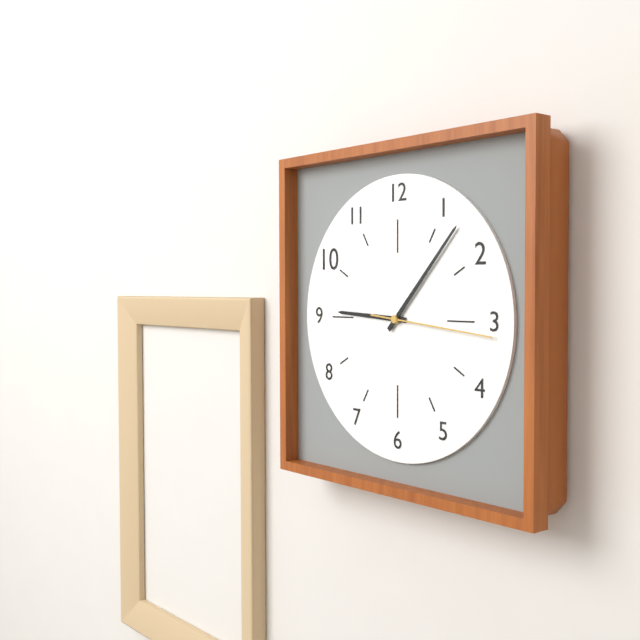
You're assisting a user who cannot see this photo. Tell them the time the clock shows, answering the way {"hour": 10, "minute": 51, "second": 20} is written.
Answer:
{"hour": 9, "minute": 7, "second": 16}
